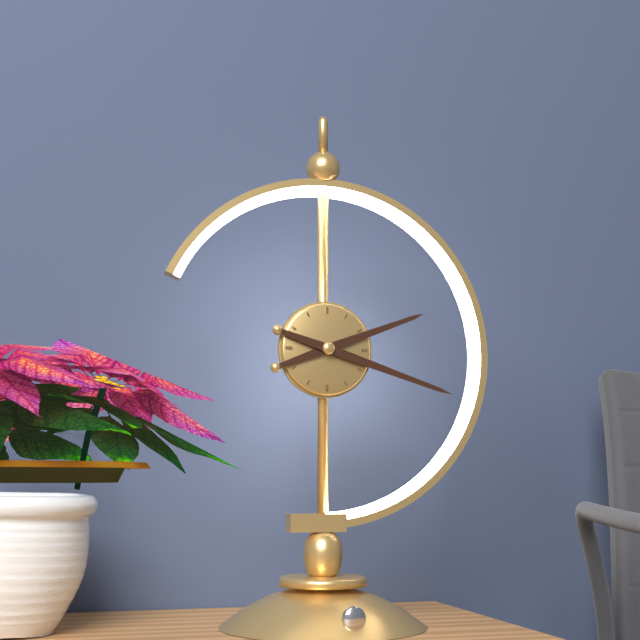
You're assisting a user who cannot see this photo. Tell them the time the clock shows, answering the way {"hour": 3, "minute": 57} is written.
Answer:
{"hour": 2, "minute": 18}
